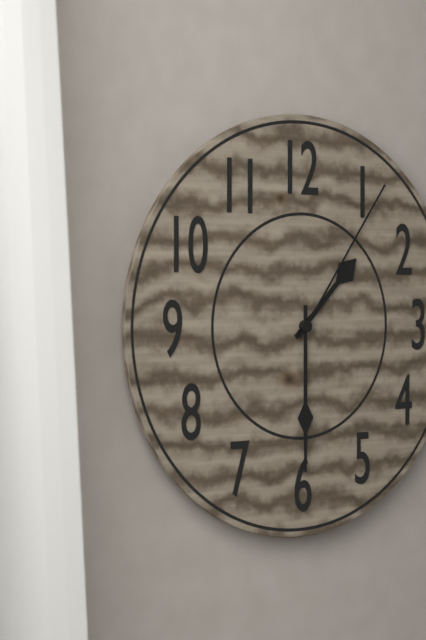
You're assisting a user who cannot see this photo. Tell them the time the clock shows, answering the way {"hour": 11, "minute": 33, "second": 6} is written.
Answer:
{"hour": 1, "minute": 30, "second": 6}
